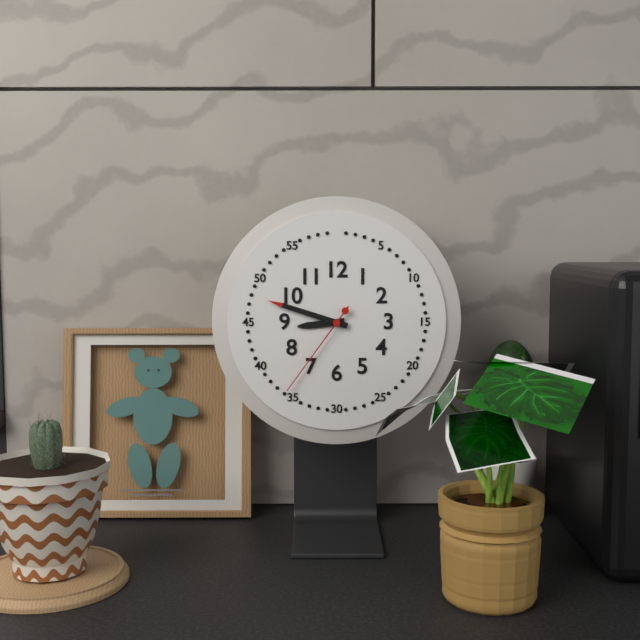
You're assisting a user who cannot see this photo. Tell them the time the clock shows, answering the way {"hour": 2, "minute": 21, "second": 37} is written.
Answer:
{"hour": 8, "minute": 48, "second": 36}
